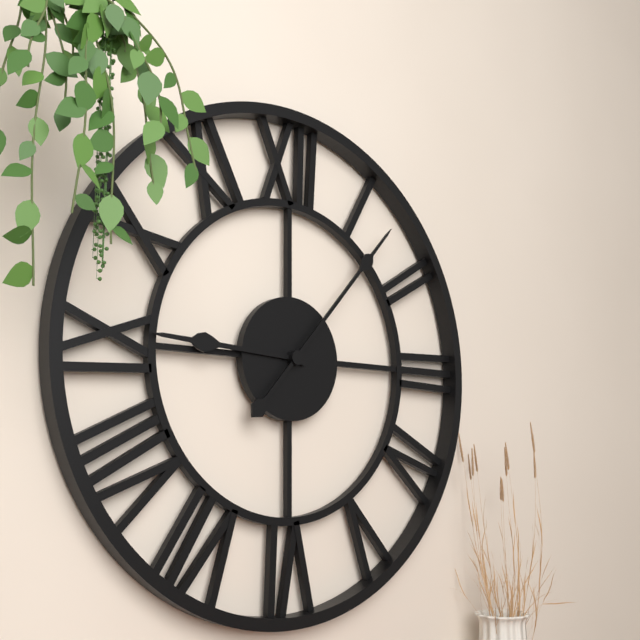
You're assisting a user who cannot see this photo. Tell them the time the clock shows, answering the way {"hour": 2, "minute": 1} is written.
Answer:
{"hour": 9, "minute": 7}
